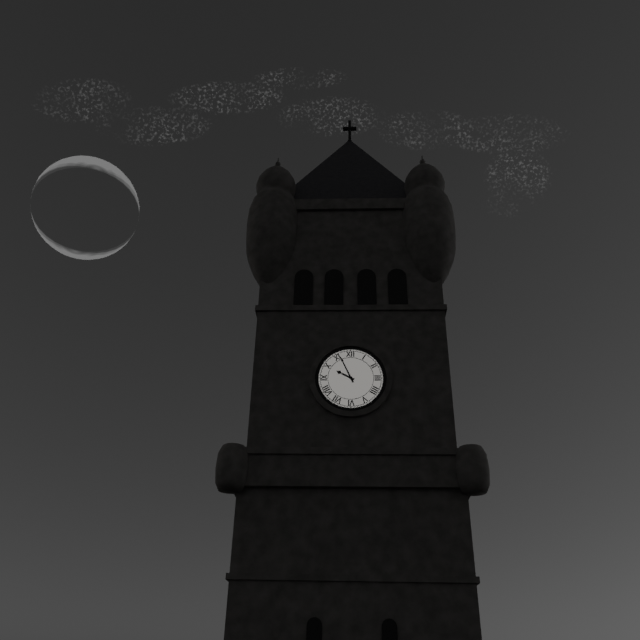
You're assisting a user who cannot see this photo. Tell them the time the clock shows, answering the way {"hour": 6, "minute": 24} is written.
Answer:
{"hour": 9, "minute": 56}
